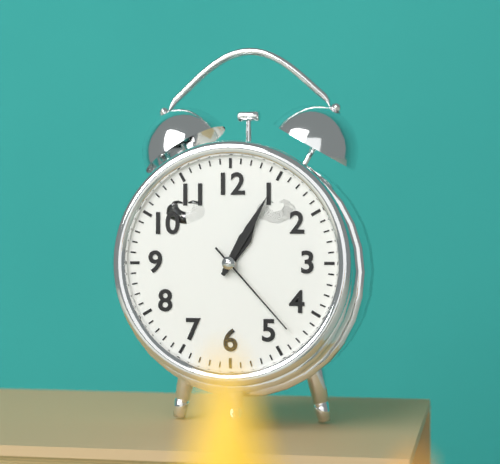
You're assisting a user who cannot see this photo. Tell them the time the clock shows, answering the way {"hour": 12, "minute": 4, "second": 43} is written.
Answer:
{"hour": 1, "minute": 5, "second": 23}
